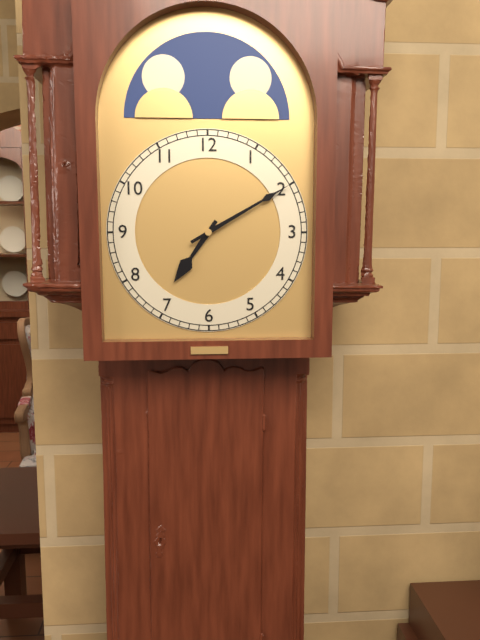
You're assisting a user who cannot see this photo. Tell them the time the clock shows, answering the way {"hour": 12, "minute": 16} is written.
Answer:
{"hour": 7, "minute": 10}
